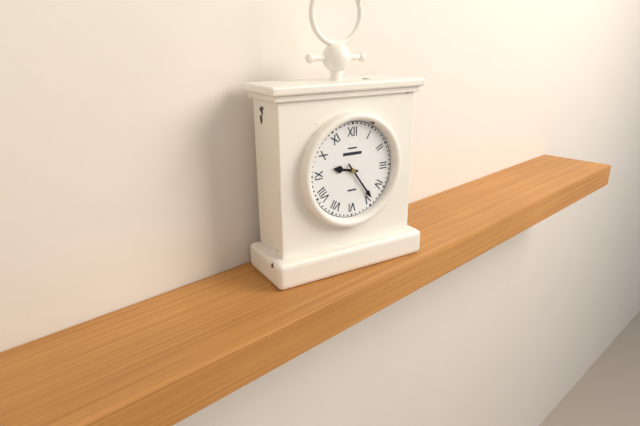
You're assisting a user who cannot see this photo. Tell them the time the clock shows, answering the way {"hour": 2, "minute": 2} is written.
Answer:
{"hour": 9, "minute": 24}
